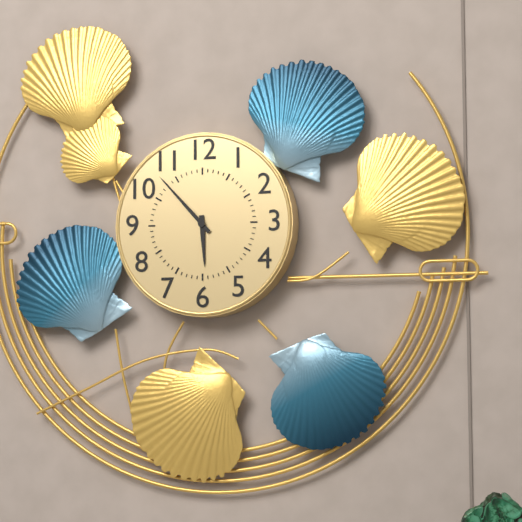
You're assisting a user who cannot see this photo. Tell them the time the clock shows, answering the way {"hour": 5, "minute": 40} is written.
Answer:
{"hour": 5, "minute": 53}
